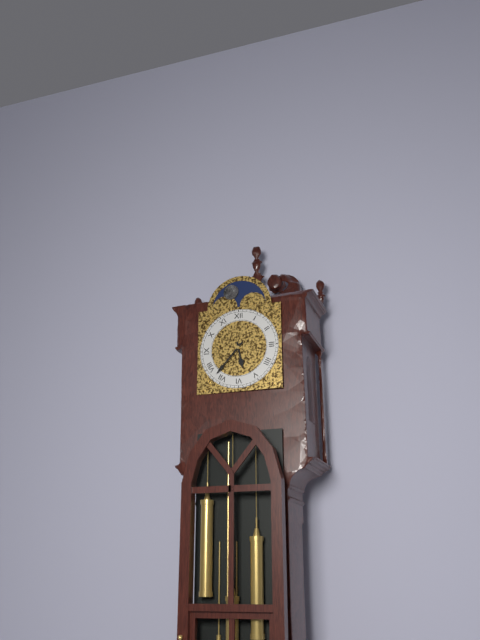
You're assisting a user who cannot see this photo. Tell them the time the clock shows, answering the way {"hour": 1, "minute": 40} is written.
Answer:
{"hour": 5, "minute": 37}
